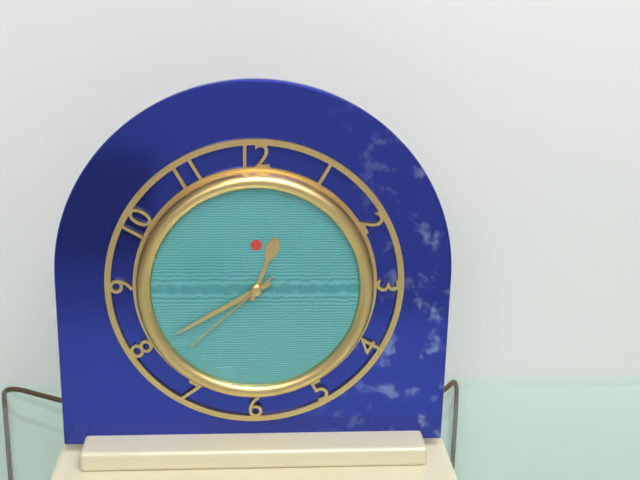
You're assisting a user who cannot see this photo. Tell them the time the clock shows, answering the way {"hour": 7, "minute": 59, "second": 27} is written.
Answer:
{"hour": 12, "minute": 40, "second": 38}
